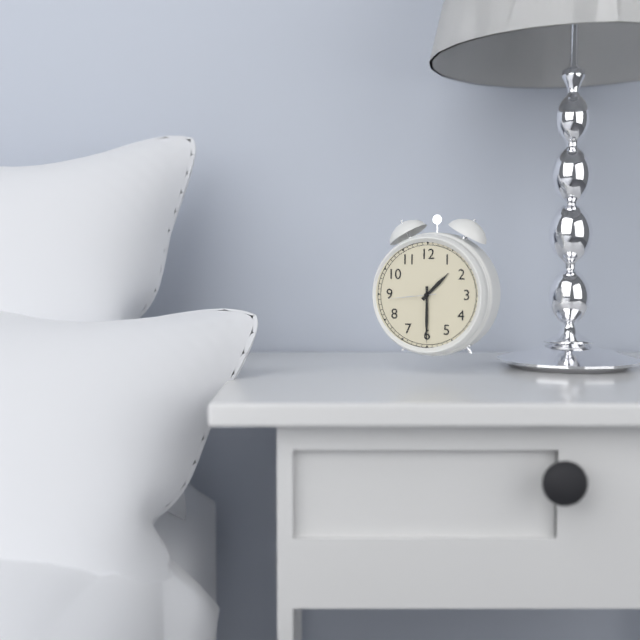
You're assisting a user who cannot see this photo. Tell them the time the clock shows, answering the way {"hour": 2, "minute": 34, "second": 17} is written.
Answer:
{"hour": 1, "minute": 30, "second": 44}
